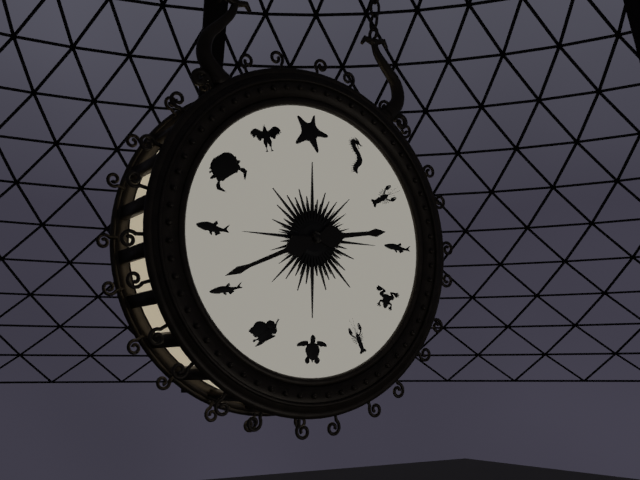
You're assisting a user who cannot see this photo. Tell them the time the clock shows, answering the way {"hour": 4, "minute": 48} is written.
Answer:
{"hour": 2, "minute": 41}
